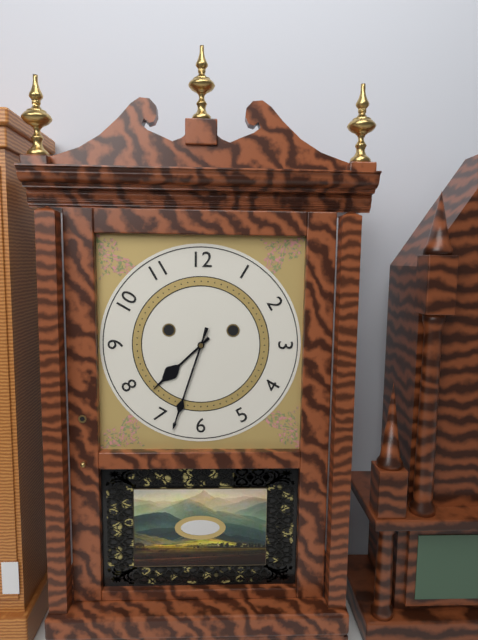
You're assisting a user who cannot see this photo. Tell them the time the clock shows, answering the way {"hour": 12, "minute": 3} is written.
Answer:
{"hour": 7, "minute": 33}
